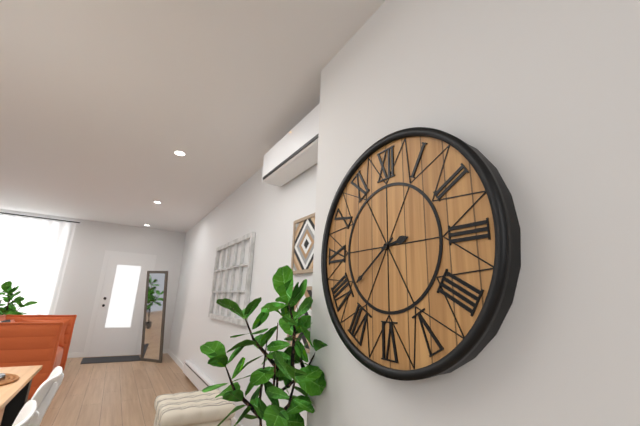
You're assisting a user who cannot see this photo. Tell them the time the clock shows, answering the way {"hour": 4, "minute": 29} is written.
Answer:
{"hour": 2, "minute": 39}
